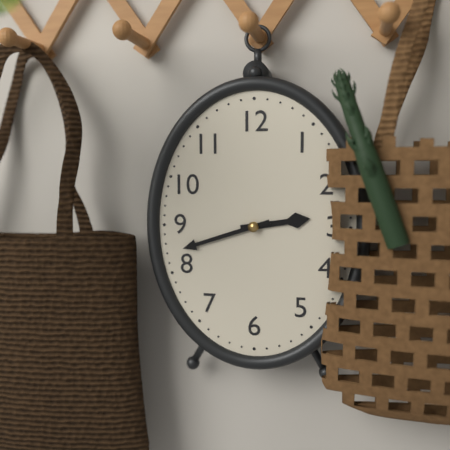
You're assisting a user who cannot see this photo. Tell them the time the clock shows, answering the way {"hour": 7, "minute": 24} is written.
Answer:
{"hour": 2, "minute": 42}
